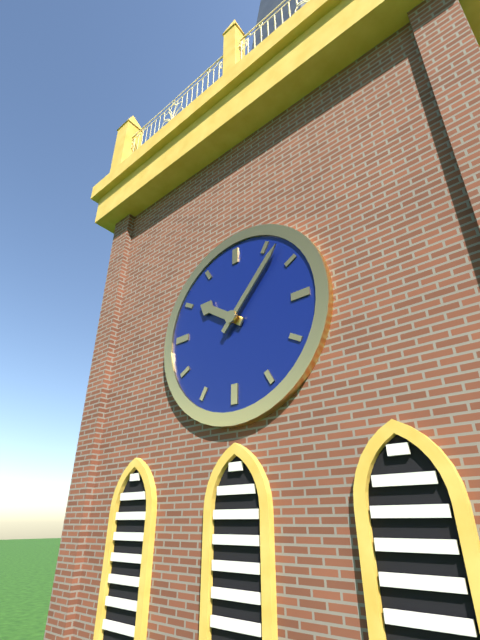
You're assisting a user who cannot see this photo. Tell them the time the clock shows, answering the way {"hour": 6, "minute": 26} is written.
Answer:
{"hour": 10, "minute": 7}
